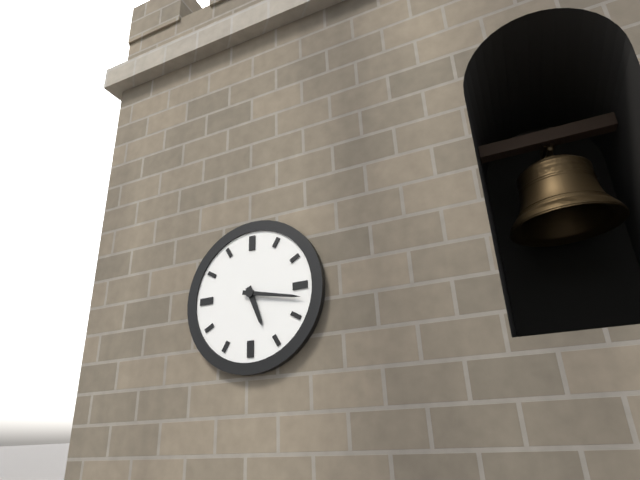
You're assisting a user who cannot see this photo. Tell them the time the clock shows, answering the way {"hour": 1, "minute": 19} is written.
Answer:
{"hour": 5, "minute": 17}
